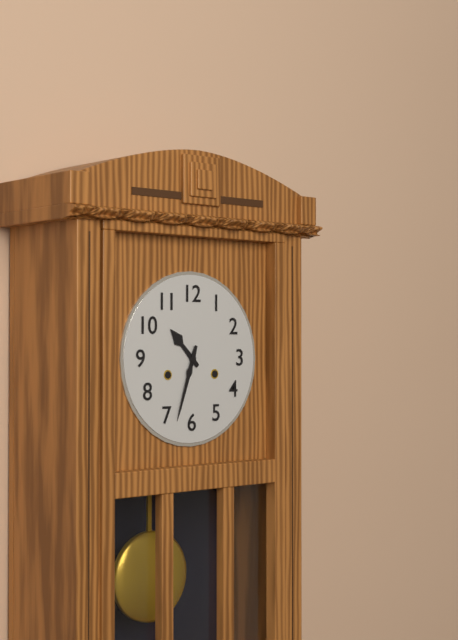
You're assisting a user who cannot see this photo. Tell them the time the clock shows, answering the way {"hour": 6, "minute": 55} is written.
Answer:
{"hour": 10, "minute": 33}
